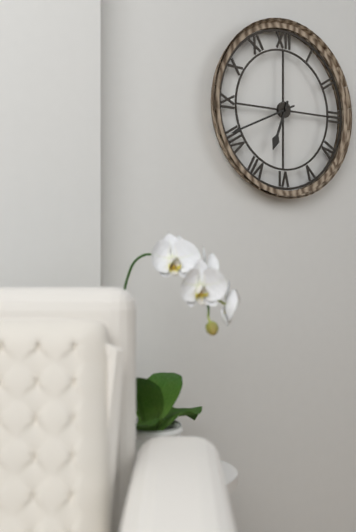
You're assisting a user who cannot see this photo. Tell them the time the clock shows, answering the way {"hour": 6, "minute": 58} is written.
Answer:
{"hour": 6, "minute": 41}
